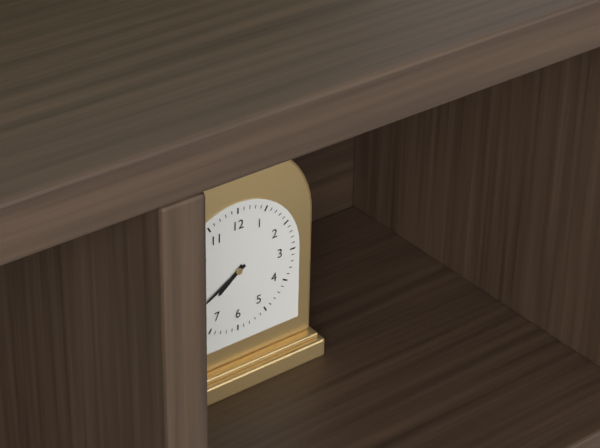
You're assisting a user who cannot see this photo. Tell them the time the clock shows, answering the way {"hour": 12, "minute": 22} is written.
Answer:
{"hour": 7, "minute": 40}
